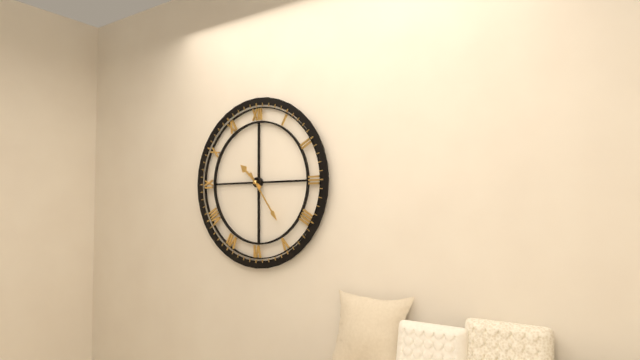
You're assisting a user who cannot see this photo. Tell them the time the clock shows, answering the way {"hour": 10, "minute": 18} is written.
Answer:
{"hour": 10, "minute": 24}
